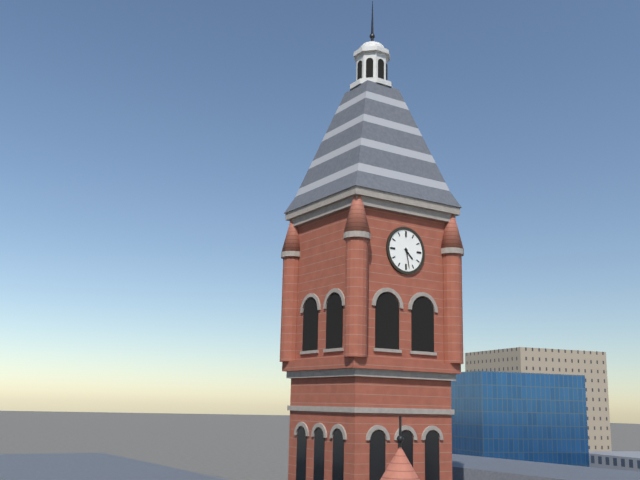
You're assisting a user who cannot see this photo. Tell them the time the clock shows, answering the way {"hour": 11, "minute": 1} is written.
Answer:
{"hour": 4, "minute": 28}
